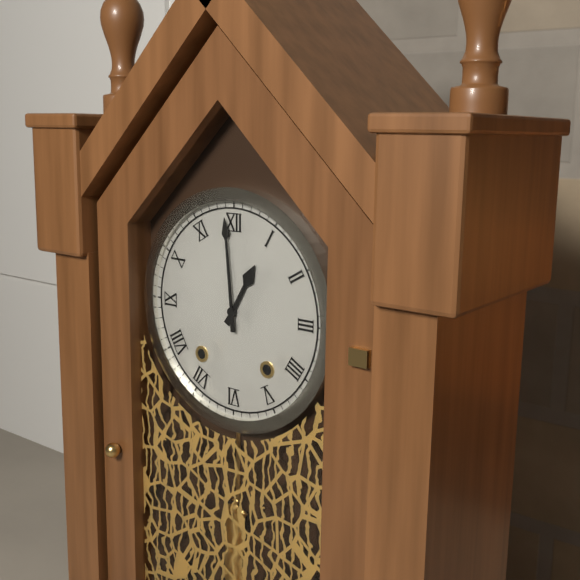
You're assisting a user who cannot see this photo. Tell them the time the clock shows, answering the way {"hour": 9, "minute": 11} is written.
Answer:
{"hour": 12, "minute": 59}
